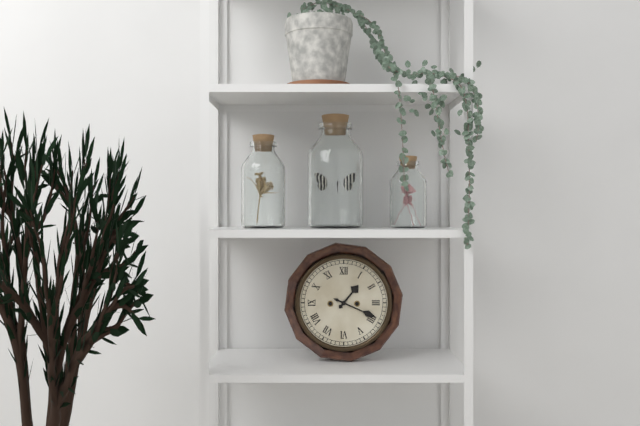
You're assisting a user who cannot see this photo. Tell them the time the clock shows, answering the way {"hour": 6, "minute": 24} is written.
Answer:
{"hour": 1, "minute": 19}
